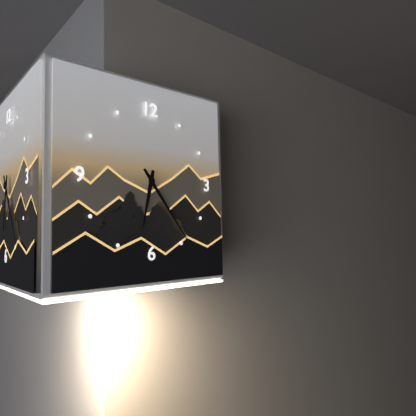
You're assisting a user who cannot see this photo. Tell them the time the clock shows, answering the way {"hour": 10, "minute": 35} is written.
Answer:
{"hour": 6, "minute": 24}
